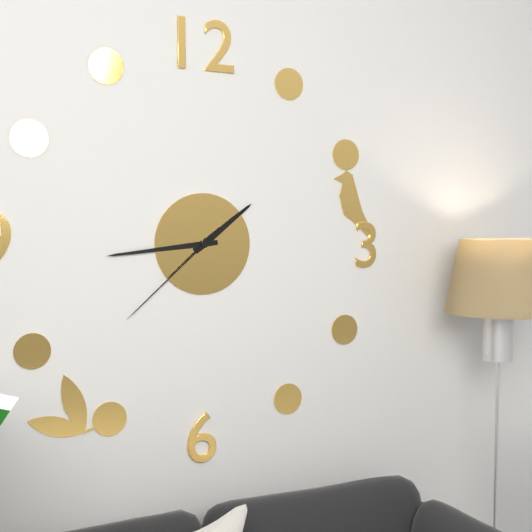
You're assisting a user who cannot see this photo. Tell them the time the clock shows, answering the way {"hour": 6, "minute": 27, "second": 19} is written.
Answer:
{"hour": 1, "minute": 44, "second": 38}
